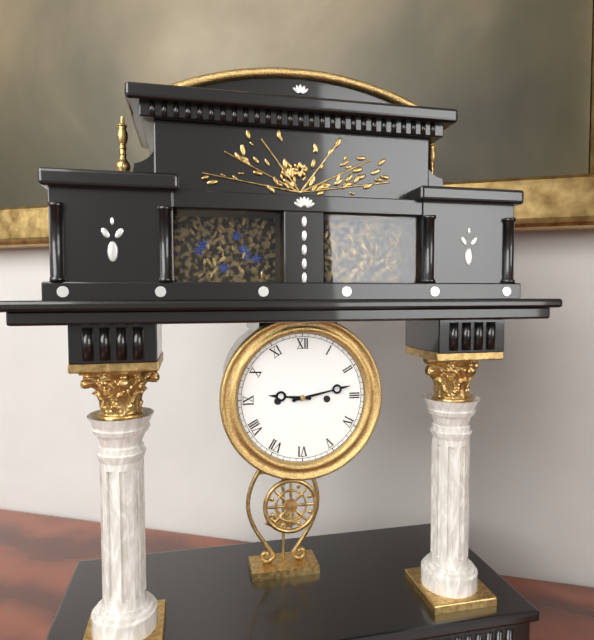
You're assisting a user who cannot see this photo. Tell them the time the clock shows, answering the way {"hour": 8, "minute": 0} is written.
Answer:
{"hour": 9, "minute": 13}
